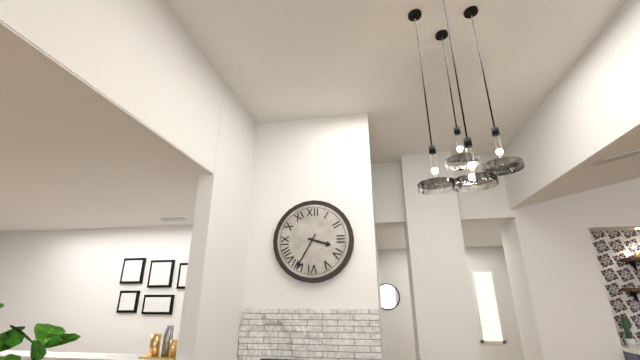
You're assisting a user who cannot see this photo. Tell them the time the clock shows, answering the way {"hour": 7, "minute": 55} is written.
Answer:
{"hour": 3, "minute": 35}
